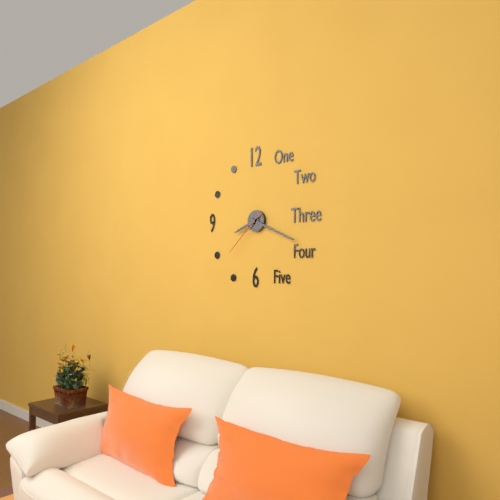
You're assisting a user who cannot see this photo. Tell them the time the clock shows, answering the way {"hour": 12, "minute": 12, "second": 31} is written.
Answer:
{"hour": 8, "minute": 19, "second": 38}
